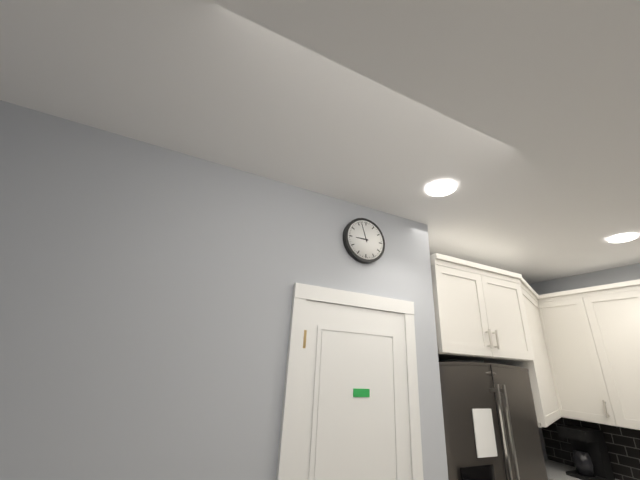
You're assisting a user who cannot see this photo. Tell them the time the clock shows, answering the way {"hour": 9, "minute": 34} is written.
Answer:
{"hour": 8, "minute": 57}
